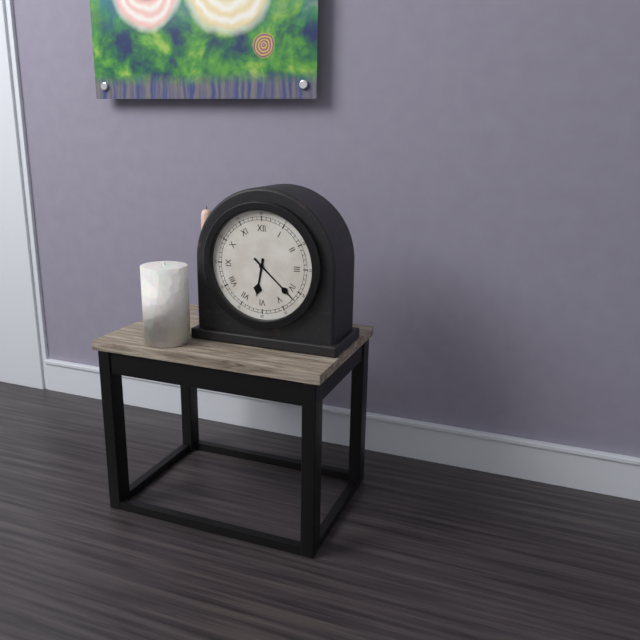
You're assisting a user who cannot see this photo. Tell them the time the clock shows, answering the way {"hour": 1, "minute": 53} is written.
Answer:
{"hour": 6, "minute": 22}
